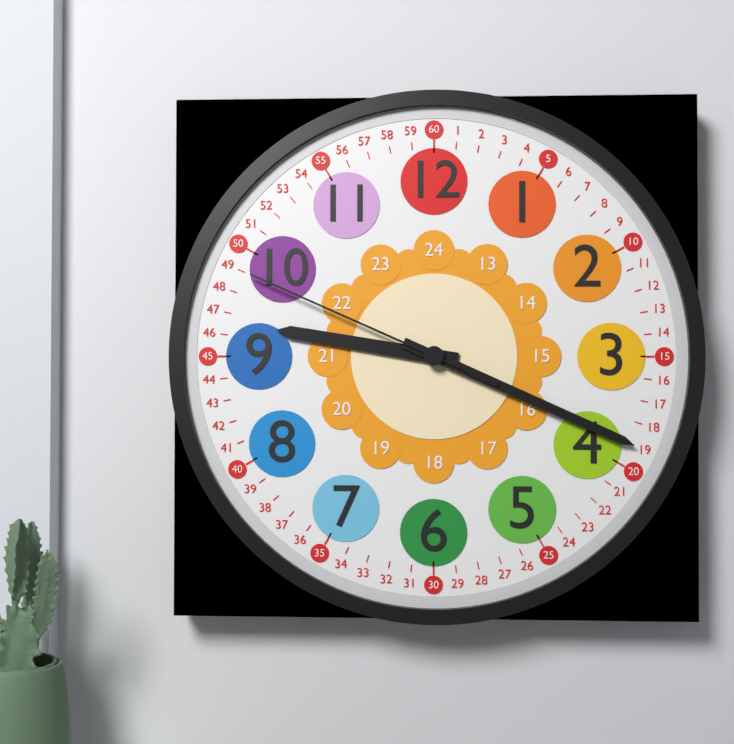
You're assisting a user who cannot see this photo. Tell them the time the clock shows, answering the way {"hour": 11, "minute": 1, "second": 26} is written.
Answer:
{"hour": 9, "minute": 19, "second": 49}
